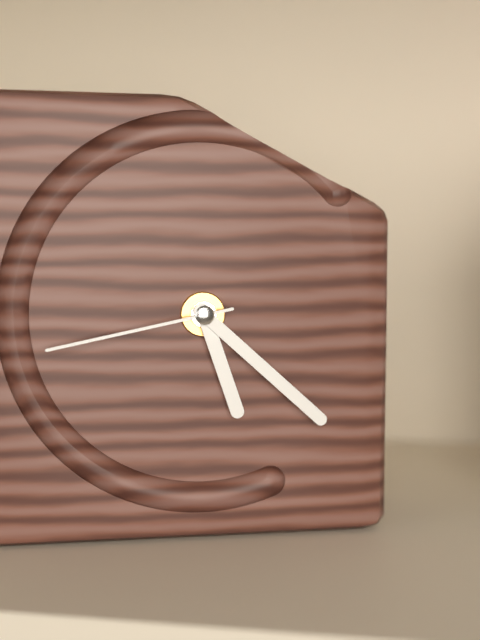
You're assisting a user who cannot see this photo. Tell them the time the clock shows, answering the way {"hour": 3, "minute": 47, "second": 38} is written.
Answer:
{"hour": 5, "minute": 22, "second": 43}
